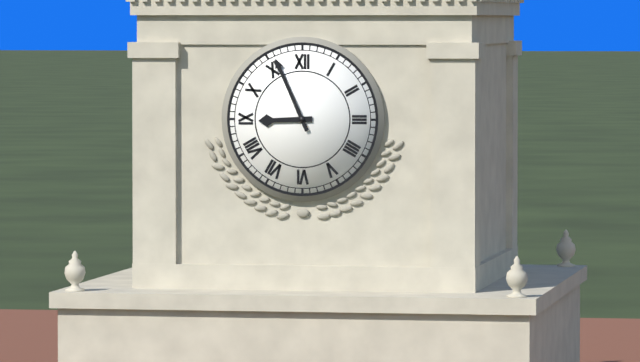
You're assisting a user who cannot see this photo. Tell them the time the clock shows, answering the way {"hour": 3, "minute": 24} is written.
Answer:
{"hour": 8, "minute": 56}
